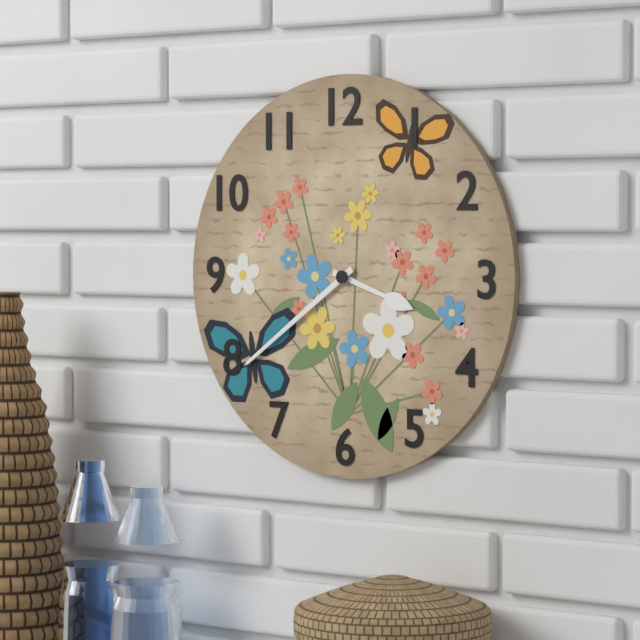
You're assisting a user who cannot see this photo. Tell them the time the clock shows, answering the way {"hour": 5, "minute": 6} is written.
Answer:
{"hour": 3, "minute": 39}
